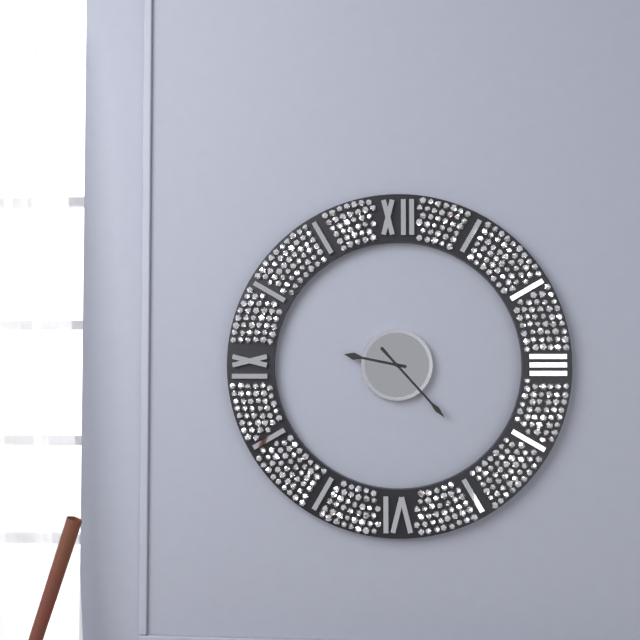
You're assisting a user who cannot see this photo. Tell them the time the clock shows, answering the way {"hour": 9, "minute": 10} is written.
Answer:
{"hour": 9, "minute": 23}
